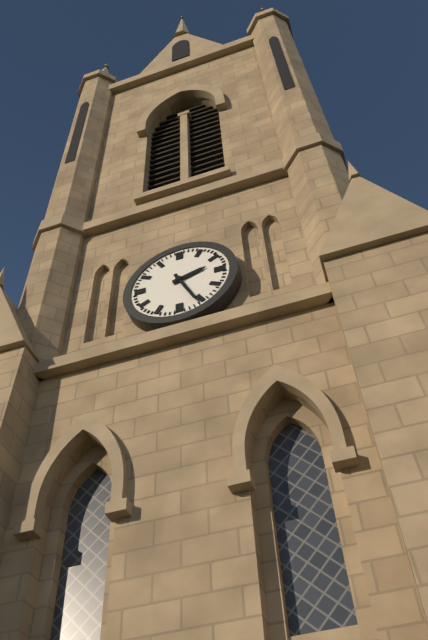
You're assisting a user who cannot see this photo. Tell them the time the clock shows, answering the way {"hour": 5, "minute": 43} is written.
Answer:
{"hour": 2, "minute": 26}
